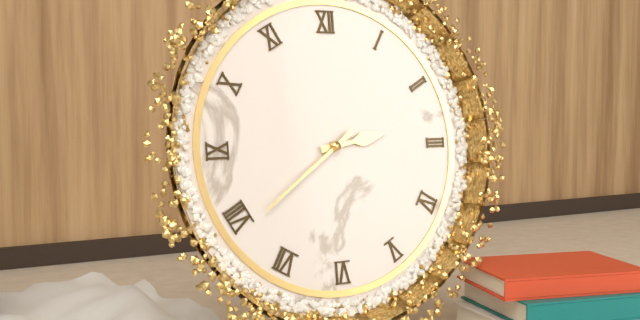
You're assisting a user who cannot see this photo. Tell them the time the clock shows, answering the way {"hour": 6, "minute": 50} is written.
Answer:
{"hour": 2, "minute": 39}
